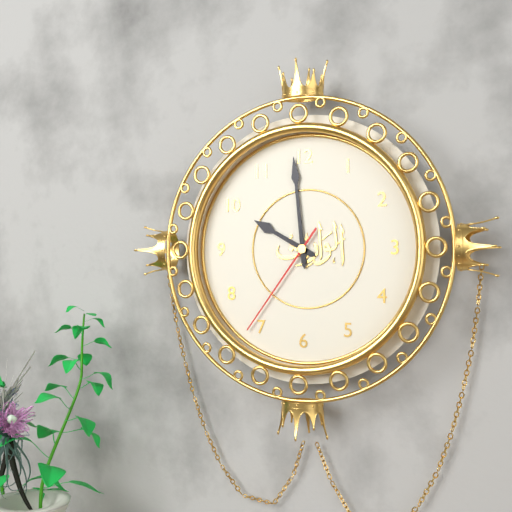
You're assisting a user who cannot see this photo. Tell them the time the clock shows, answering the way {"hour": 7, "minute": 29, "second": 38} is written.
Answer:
{"hour": 9, "minute": 59, "second": 36}
